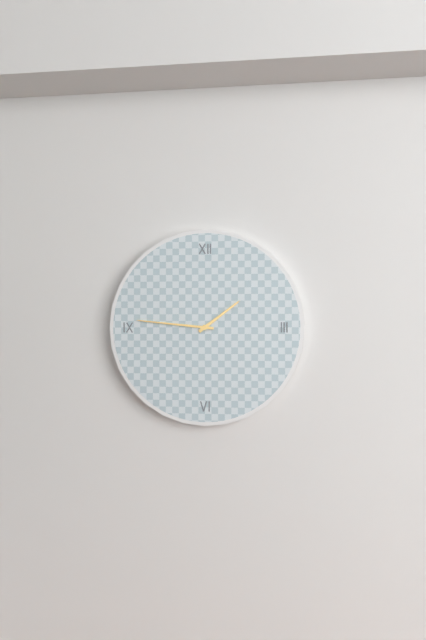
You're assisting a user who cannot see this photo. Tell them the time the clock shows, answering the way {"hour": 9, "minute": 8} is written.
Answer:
{"hour": 1, "minute": 46}
